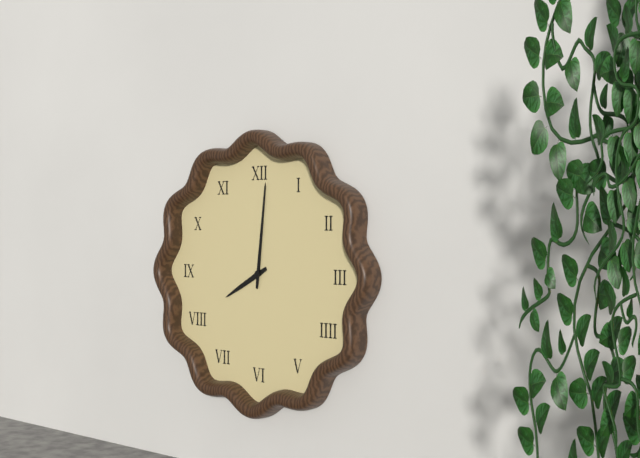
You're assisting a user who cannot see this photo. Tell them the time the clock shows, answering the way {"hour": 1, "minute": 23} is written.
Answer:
{"hour": 8, "minute": 1}
